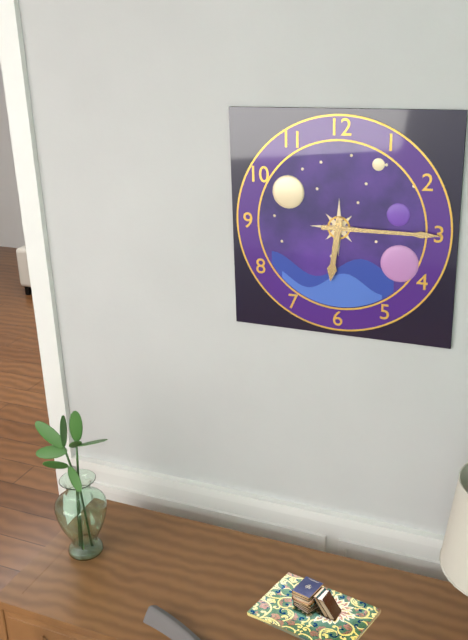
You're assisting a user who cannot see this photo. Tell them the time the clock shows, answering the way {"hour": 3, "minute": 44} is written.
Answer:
{"hour": 6, "minute": 15}
